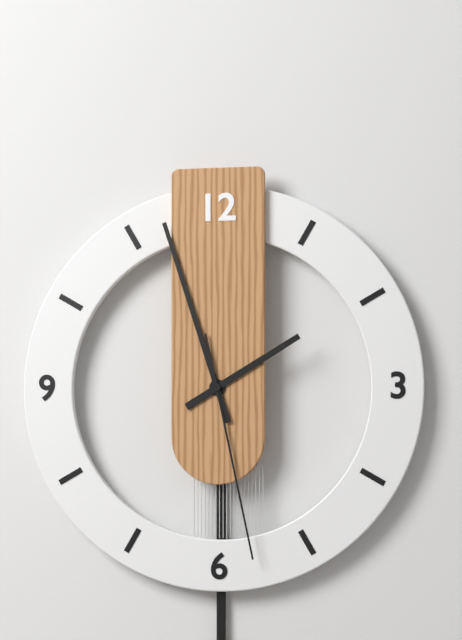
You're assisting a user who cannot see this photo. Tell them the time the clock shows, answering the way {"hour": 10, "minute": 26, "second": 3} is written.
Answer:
{"hour": 1, "minute": 57, "second": 28}
